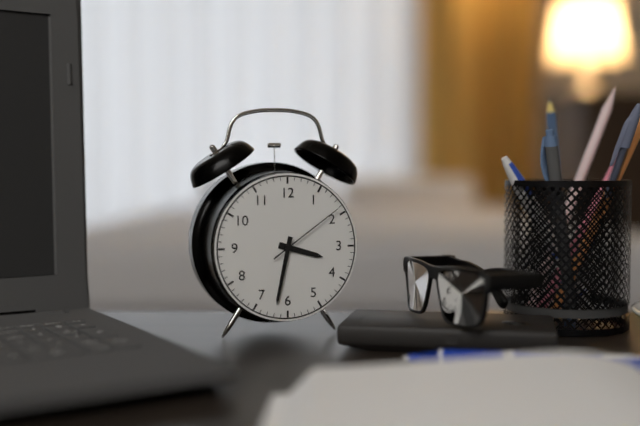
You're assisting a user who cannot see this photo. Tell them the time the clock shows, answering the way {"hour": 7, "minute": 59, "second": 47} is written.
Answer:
{"hour": 3, "minute": 32, "second": 9}
